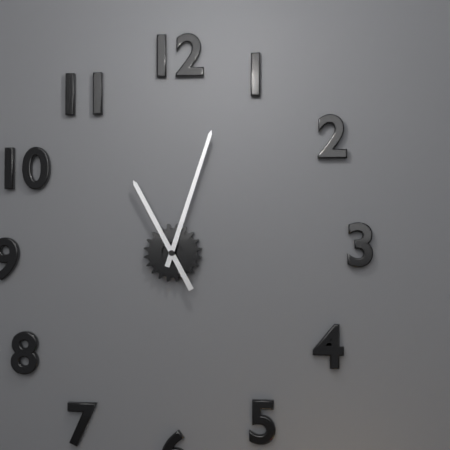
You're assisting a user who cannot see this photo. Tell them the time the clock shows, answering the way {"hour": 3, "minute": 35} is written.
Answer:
{"hour": 11, "minute": 3}
